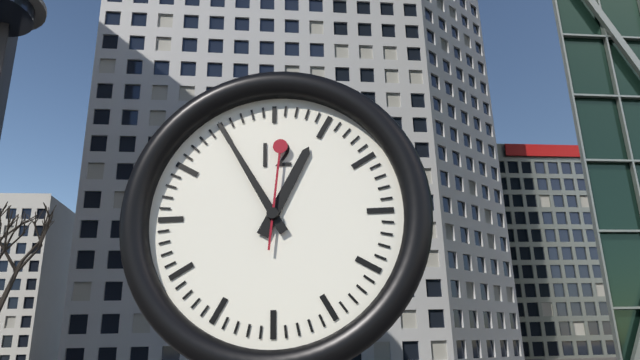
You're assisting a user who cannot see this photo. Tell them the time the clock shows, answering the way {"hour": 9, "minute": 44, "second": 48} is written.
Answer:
{"hour": 12, "minute": 55, "second": 1}
